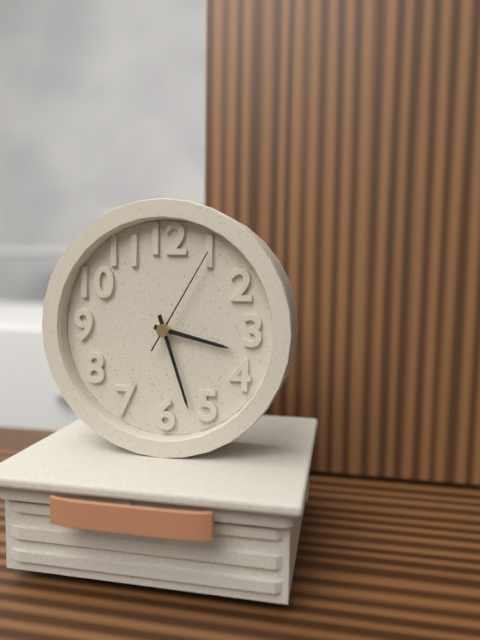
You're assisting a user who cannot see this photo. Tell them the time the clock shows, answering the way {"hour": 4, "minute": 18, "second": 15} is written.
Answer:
{"hour": 3, "minute": 27, "second": 5}
